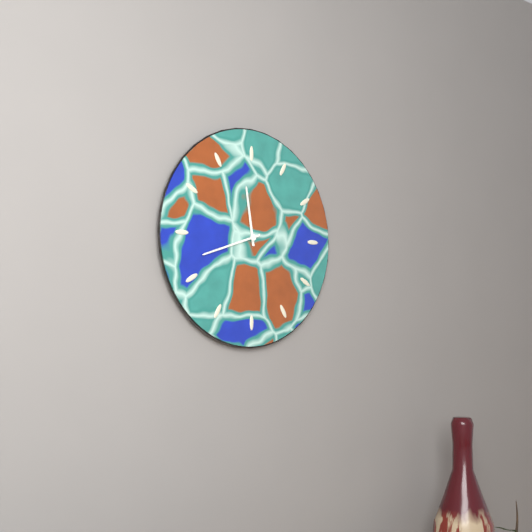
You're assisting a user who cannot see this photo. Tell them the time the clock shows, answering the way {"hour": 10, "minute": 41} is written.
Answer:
{"hour": 11, "minute": 42}
